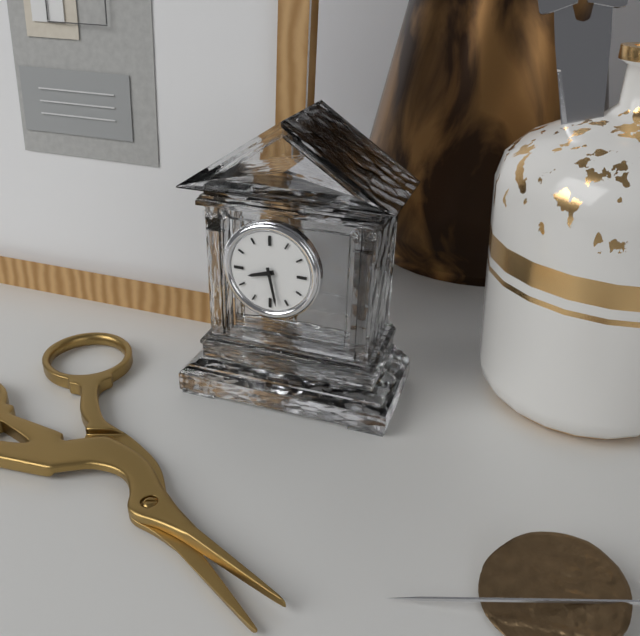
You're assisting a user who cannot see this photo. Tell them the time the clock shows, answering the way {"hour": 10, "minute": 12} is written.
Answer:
{"hour": 8, "minute": 28}
